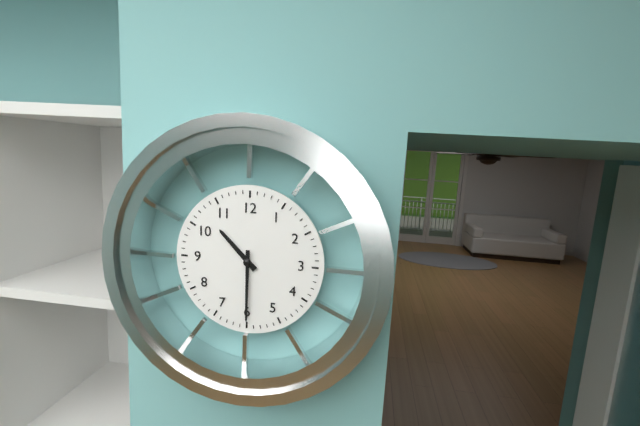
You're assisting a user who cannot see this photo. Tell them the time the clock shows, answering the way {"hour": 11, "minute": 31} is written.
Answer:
{"hour": 10, "minute": 30}
